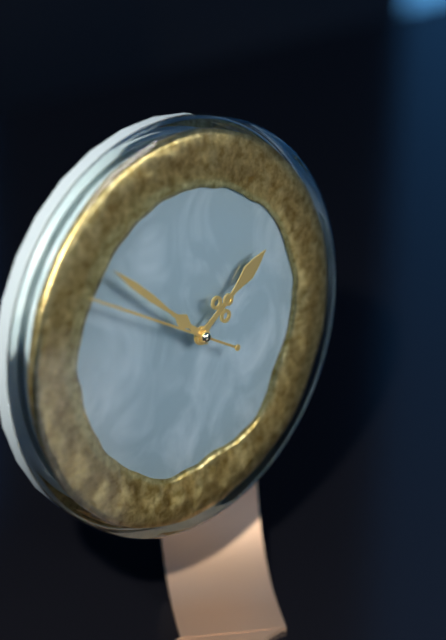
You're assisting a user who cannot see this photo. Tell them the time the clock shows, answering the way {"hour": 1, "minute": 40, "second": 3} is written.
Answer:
{"hour": 1, "minute": 52, "second": 50}
